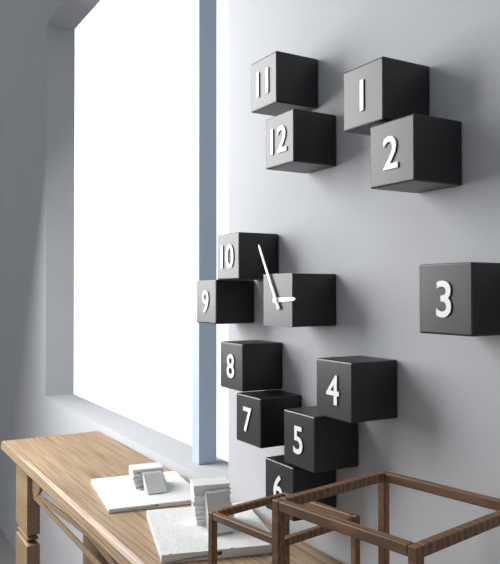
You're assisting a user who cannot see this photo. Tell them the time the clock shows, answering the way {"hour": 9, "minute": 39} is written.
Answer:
{"hour": 2, "minute": 55}
